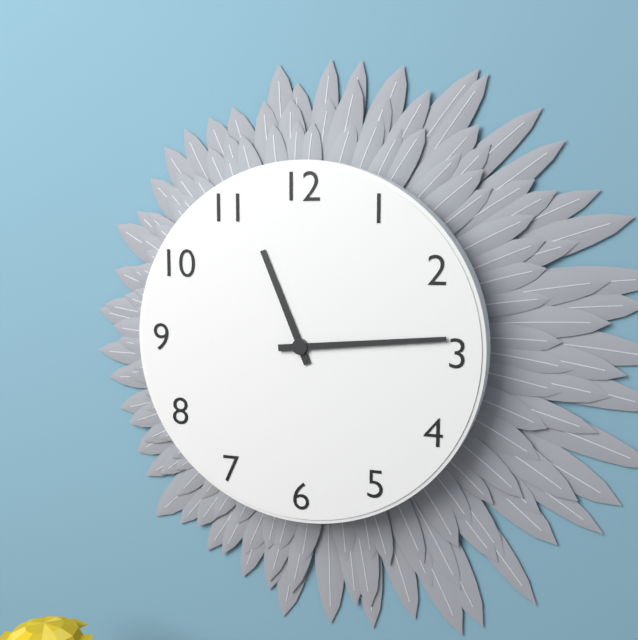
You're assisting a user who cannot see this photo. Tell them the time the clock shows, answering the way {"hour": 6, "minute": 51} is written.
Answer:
{"hour": 11, "minute": 14}
